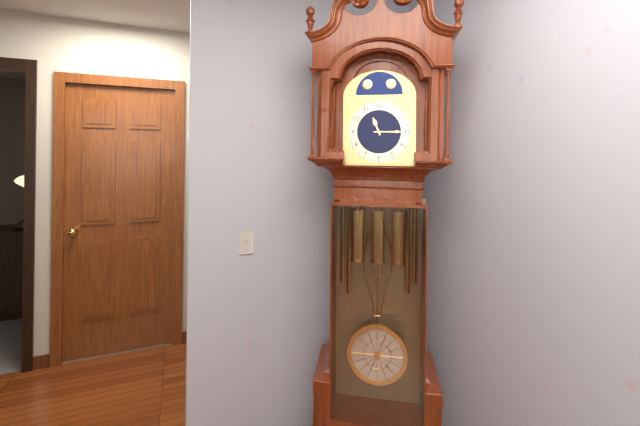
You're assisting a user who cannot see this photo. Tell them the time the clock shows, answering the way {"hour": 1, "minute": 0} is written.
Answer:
{"hour": 11, "minute": 15}
